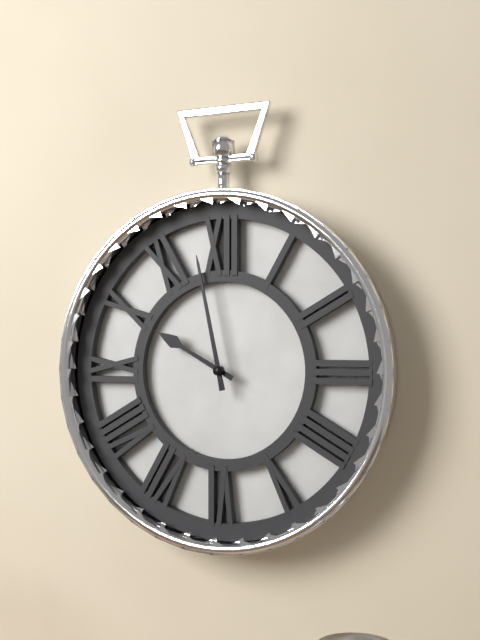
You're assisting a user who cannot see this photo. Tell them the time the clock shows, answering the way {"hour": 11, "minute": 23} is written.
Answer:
{"hour": 9, "minute": 58}
